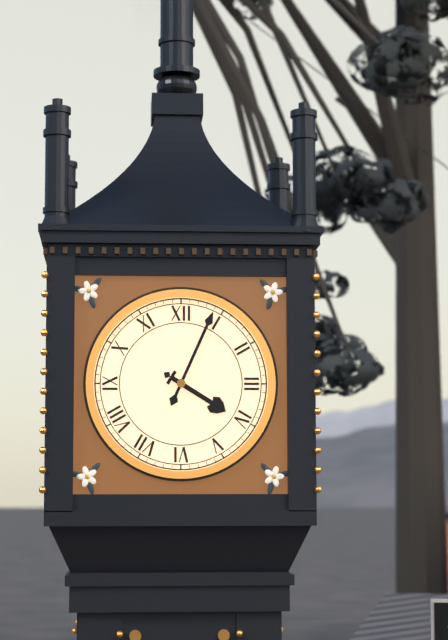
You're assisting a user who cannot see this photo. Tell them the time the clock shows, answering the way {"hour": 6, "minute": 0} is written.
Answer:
{"hour": 4, "minute": 4}
